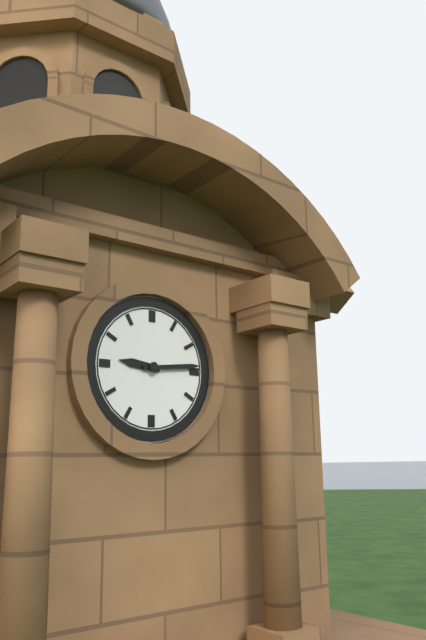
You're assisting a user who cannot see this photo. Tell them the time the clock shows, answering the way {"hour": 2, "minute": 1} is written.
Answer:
{"hour": 9, "minute": 14}
